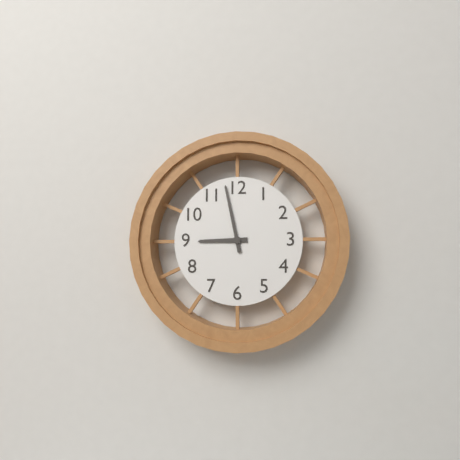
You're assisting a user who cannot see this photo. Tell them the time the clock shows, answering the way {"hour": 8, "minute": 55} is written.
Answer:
{"hour": 8, "minute": 58}
